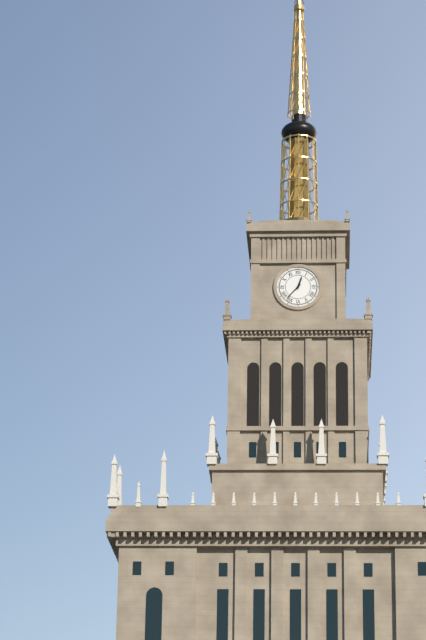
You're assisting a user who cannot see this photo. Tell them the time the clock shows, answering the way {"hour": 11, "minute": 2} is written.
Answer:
{"hour": 12, "minute": 37}
